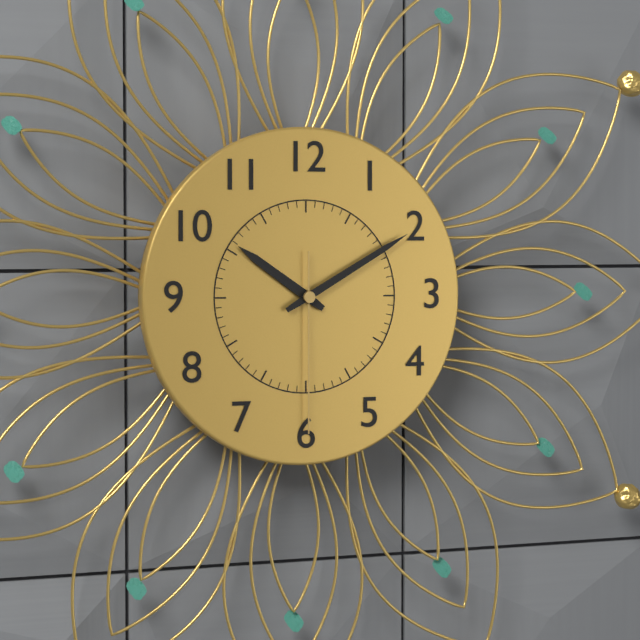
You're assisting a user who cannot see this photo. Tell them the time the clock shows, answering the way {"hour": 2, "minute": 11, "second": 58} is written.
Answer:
{"hour": 10, "minute": 10, "second": 30}
